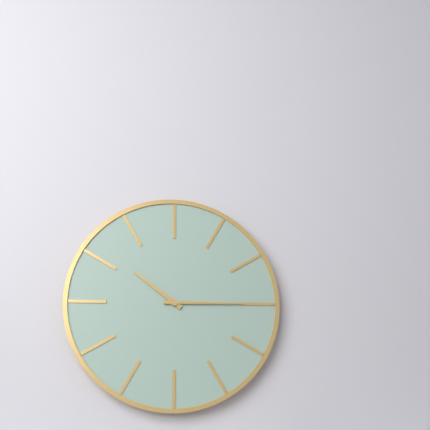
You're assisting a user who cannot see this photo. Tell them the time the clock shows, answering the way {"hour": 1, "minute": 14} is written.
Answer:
{"hour": 10, "minute": 15}
